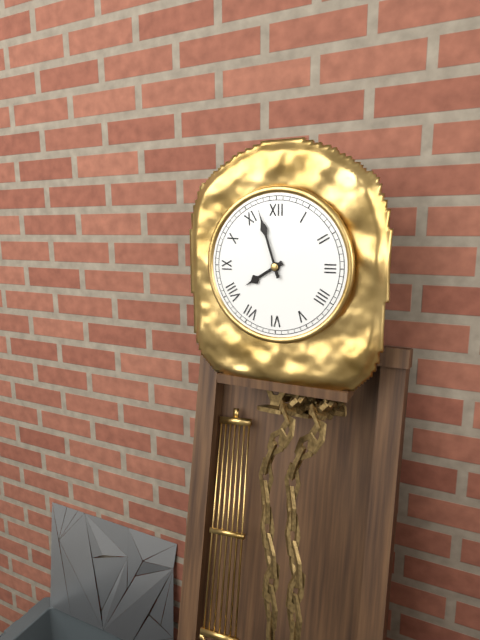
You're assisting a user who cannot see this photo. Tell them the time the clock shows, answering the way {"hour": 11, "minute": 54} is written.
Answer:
{"hour": 7, "minute": 57}
